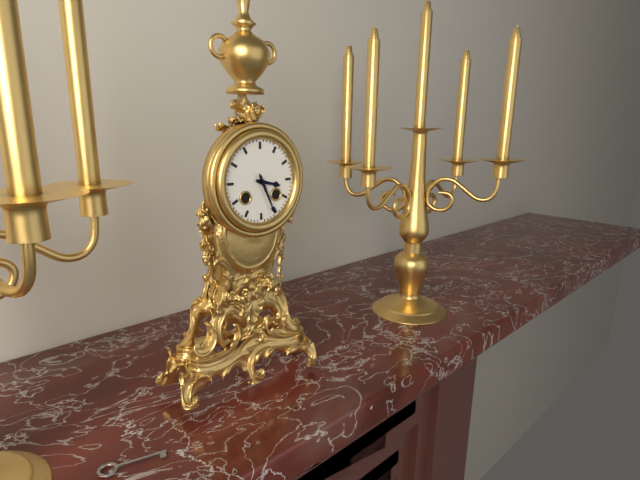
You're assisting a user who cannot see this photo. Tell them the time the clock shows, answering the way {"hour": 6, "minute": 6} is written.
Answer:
{"hour": 3, "minute": 26}
